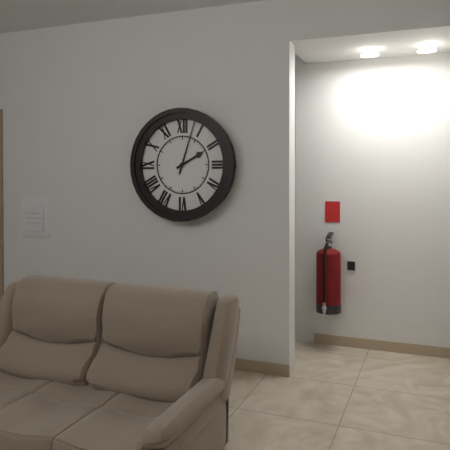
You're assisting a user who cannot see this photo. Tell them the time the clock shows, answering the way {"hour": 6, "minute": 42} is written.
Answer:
{"hour": 2, "minute": 3}
